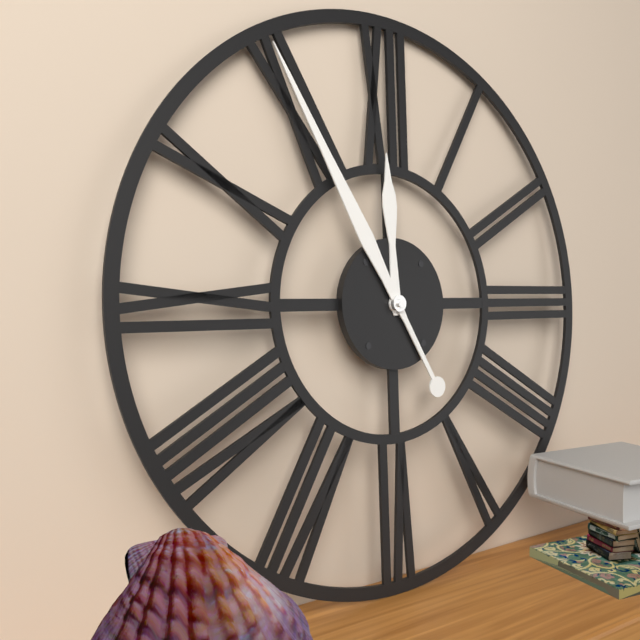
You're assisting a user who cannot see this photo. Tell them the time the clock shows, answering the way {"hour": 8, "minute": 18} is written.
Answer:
{"hour": 11, "minute": 55}
